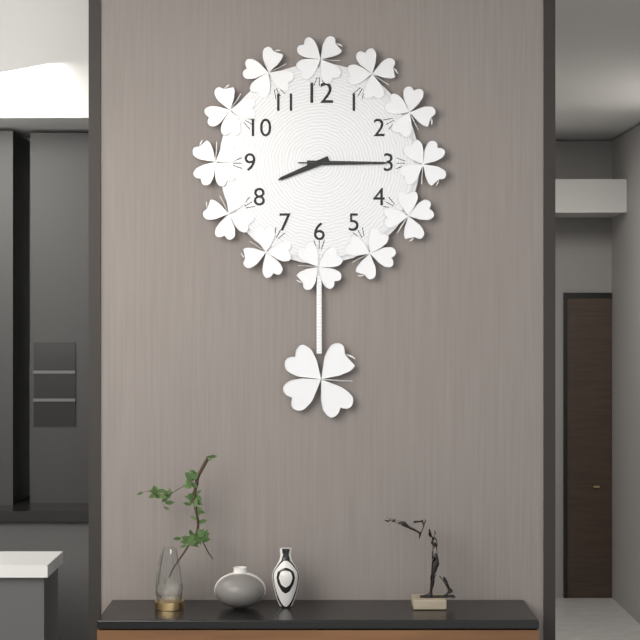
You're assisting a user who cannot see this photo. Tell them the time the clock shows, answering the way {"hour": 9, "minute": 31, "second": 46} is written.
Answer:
{"hour": 8, "minute": 15, "second": 15}
